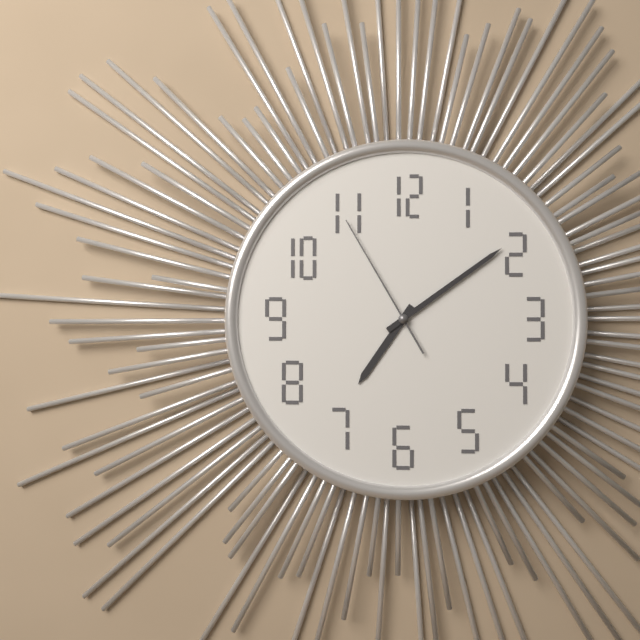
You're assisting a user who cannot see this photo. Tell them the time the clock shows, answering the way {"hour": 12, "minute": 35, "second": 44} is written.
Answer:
{"hour": 7, "minute": 9, "second": 55}
